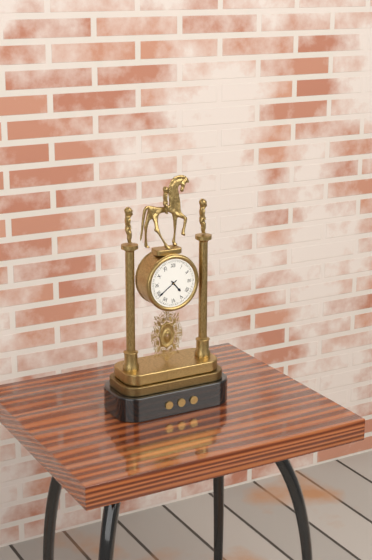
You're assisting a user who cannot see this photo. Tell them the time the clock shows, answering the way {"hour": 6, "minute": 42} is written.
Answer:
{"hour": 4, "minute": 39}
